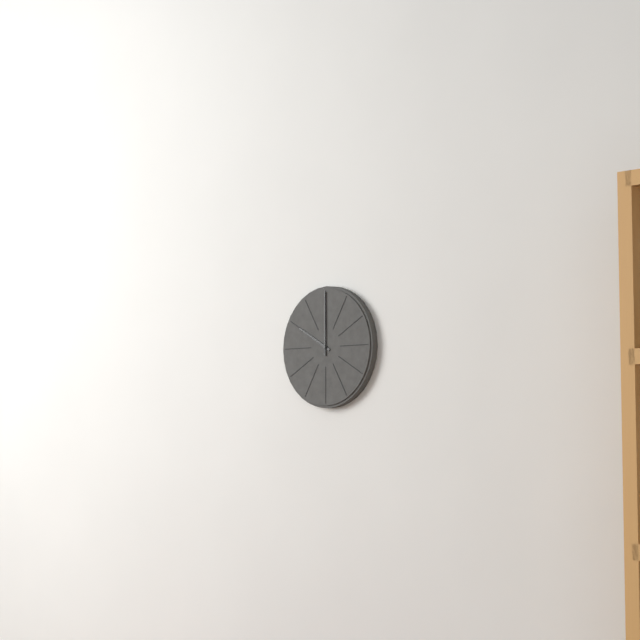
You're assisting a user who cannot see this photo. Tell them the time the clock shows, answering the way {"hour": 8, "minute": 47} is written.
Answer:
{"hour": 10, "minute": 0}
